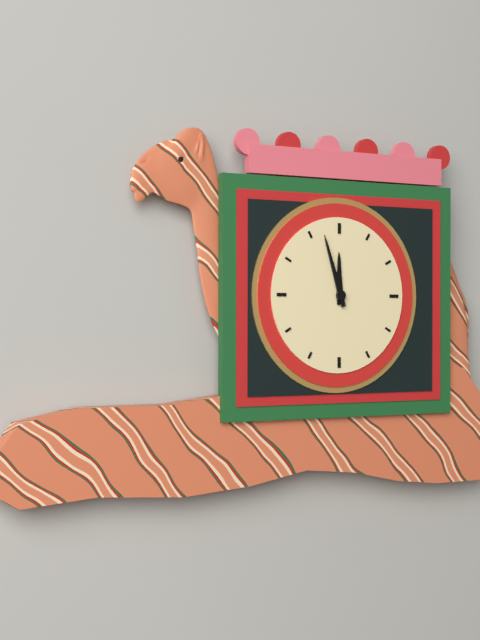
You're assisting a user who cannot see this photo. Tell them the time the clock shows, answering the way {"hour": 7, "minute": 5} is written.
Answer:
{"hour": 11, "minute": 57}
